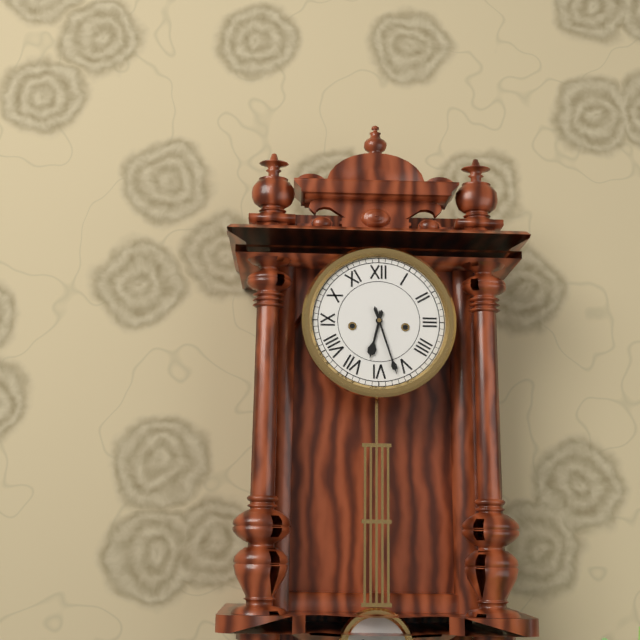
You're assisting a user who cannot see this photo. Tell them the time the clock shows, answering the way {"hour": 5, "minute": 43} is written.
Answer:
{"hour": 6, "minute": 27}
